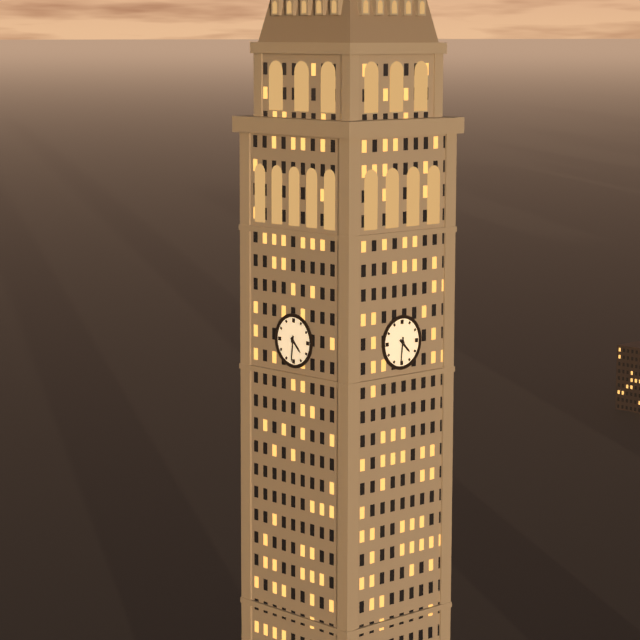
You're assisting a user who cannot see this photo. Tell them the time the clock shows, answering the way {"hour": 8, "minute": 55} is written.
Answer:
{"hour": 4, "minute": 31}
